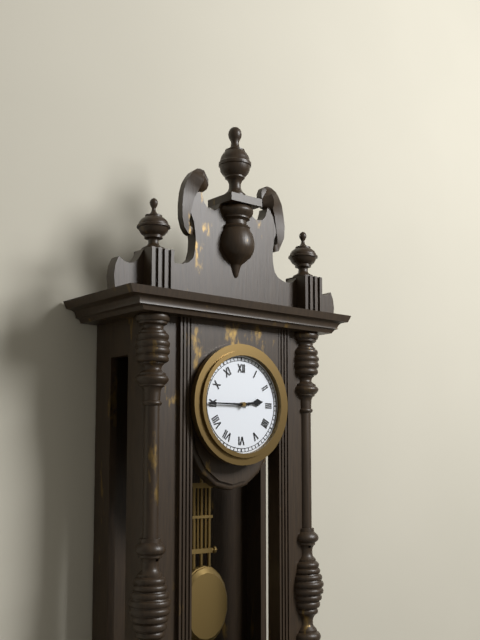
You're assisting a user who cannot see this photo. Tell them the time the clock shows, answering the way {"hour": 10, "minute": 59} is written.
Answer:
{"hour": 2, "minute": 45}
